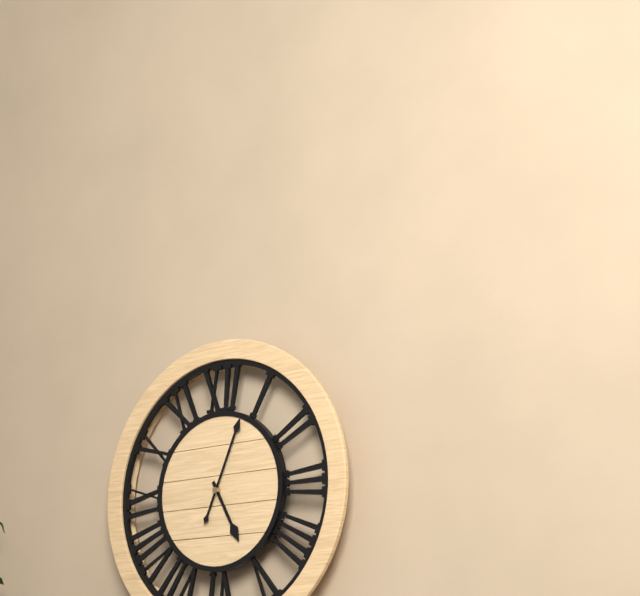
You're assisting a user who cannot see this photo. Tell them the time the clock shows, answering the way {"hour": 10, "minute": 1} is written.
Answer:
{"hour": 5, "minute": 4}
